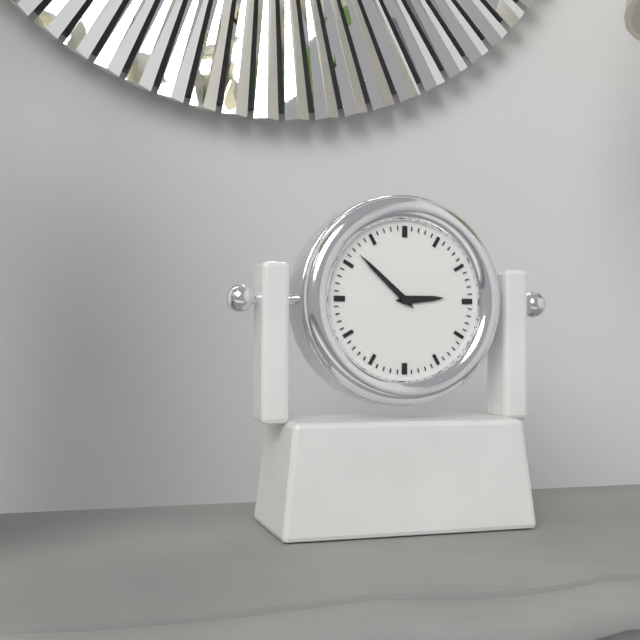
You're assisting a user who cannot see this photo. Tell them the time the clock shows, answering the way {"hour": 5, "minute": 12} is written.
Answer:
{"hour": 2, "minute": 52}
